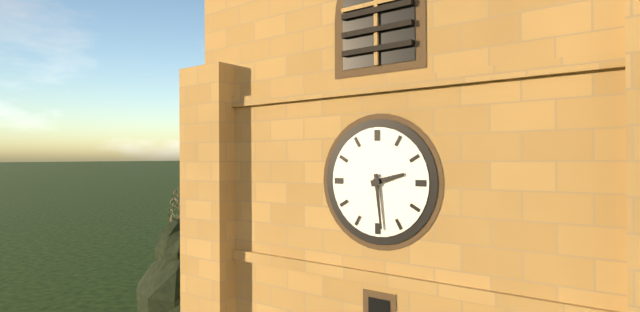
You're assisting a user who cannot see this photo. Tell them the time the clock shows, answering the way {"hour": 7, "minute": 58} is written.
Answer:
{"hour": 2, "minute": 29}
